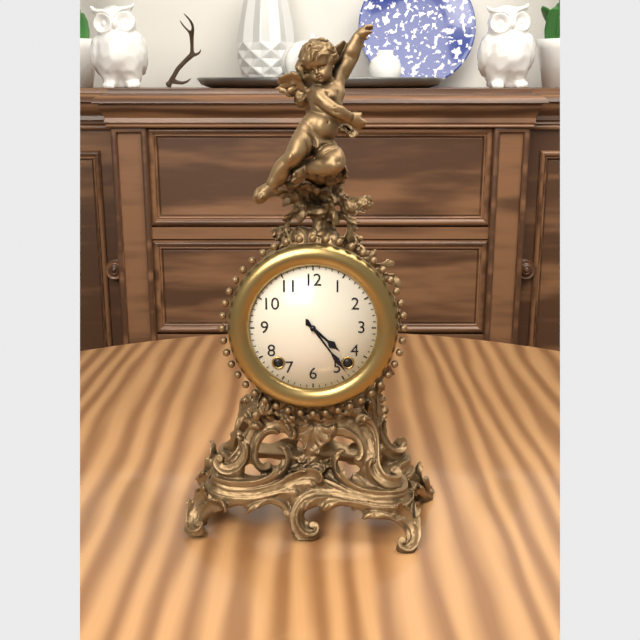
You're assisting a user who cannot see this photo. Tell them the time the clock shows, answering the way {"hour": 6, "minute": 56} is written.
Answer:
{"hour": 4, "minute": 24}
